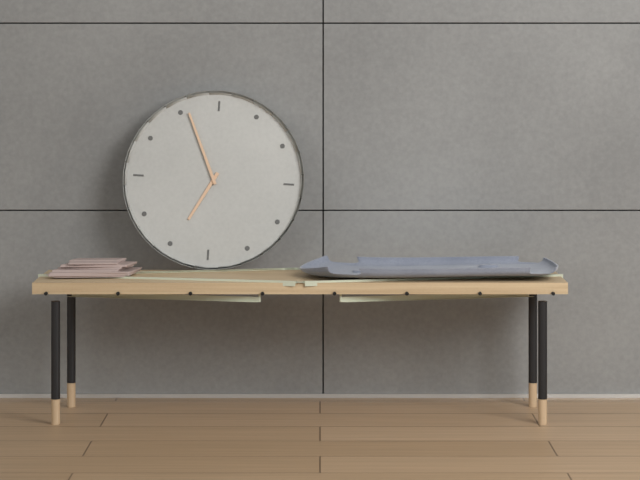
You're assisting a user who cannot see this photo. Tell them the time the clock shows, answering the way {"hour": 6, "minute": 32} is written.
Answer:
{"hour": 6, "minute": 56}
